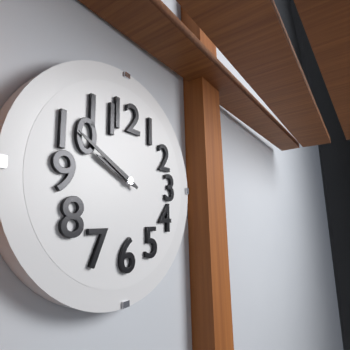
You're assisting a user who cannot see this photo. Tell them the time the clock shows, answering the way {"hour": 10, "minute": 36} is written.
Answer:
{"hour": 9, "minute": 50}
